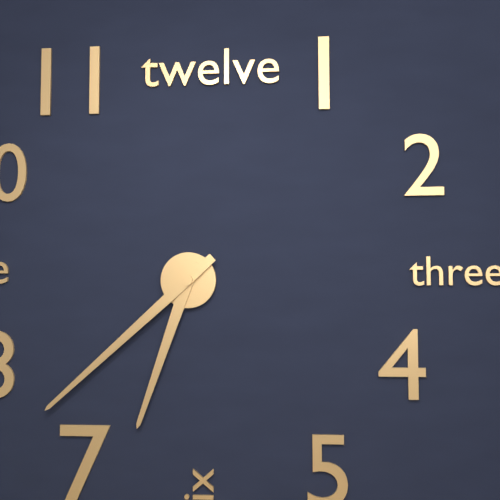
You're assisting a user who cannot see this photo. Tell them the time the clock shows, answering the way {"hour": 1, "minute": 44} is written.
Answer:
{"hour": 6, "minute": 38}
